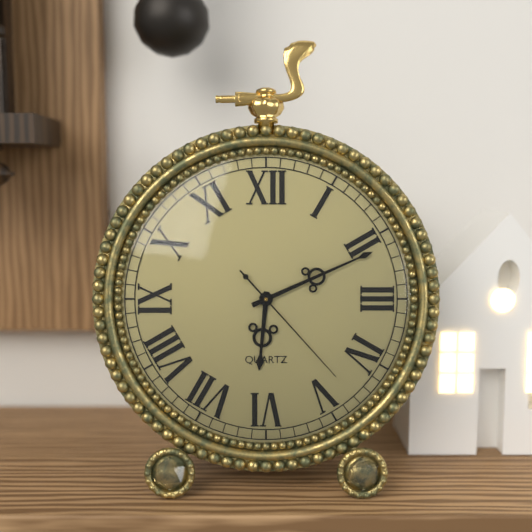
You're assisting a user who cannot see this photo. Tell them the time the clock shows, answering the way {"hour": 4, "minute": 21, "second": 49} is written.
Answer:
{"hour": 6, "minute": 11, "second": 23}
